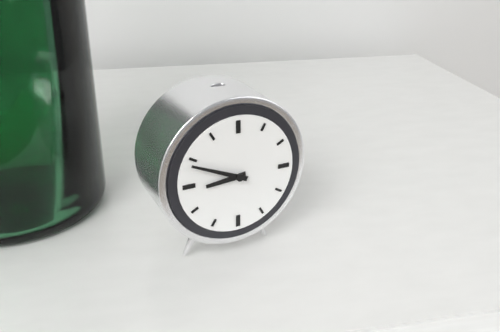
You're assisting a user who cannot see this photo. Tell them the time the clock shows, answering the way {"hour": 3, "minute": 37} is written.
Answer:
{"hour": 8, "minute": 49}
